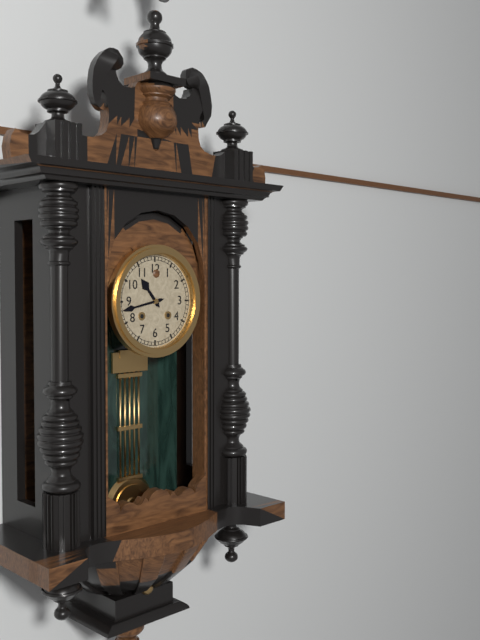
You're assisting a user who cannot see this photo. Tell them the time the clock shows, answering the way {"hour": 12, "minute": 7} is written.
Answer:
{"hour": 10, "minute": 43}
